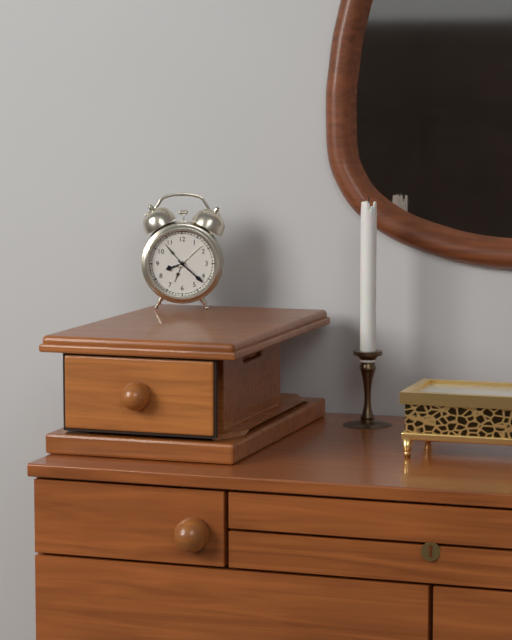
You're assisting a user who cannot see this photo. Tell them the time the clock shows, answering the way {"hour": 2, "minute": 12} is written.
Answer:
{"hour": 8, "minute": 22}
